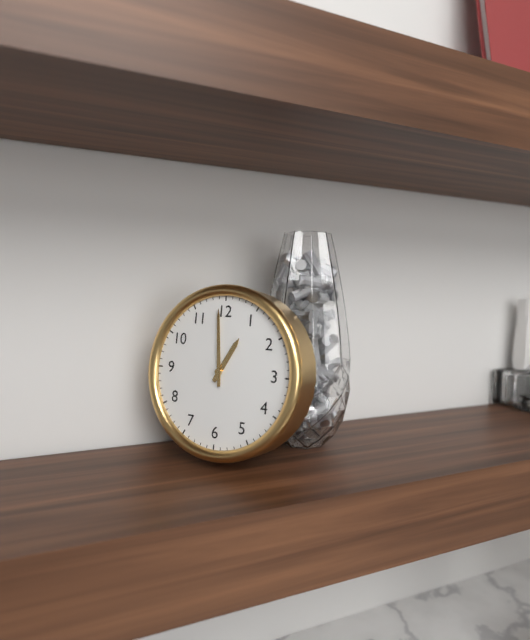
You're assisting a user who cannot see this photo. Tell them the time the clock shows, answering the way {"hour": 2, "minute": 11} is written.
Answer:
{"hour": 12, "minute": 59}
